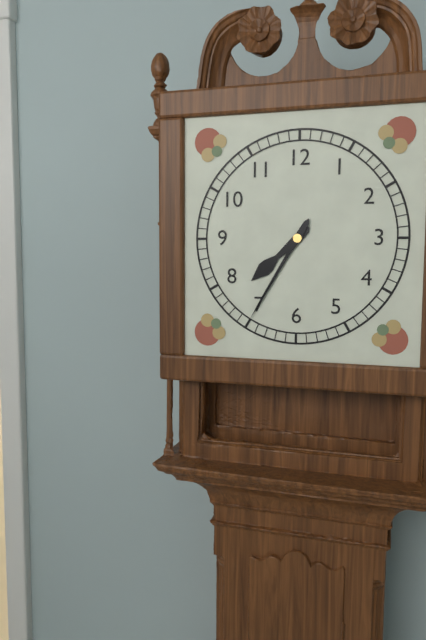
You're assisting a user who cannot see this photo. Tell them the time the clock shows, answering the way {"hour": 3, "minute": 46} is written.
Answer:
{"hour": 7, "minute": 35}
